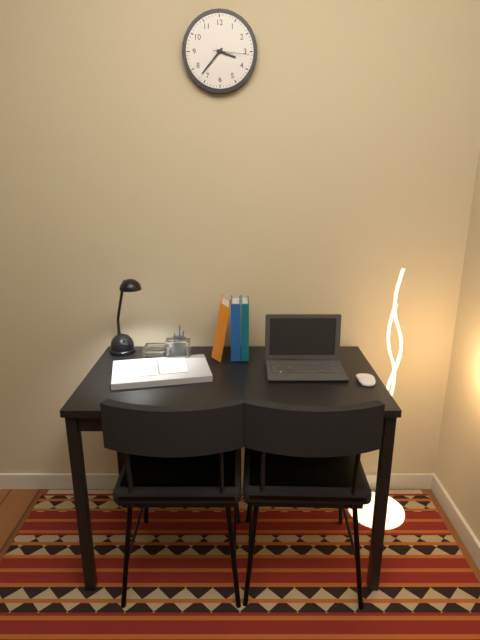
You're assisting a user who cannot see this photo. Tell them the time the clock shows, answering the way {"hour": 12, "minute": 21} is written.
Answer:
{"hour": 3, "minute": 37}
